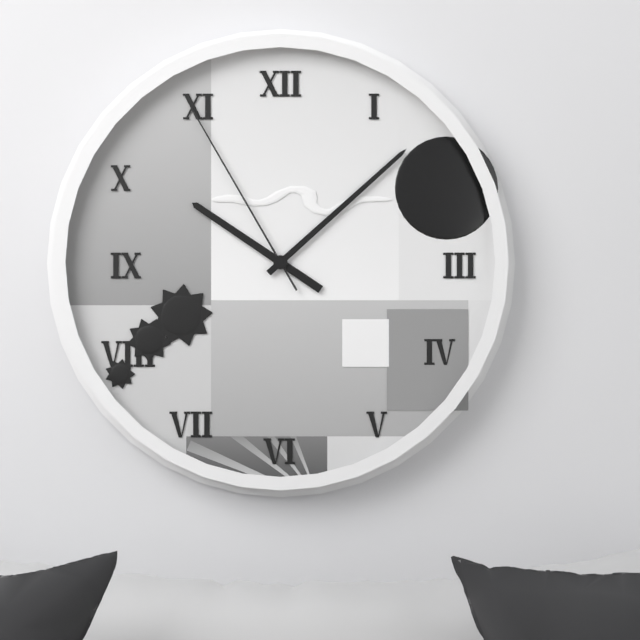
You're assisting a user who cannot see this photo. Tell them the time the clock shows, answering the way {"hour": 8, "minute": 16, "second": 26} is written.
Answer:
{"hour": 10, "minute": 8, "second": 55}
